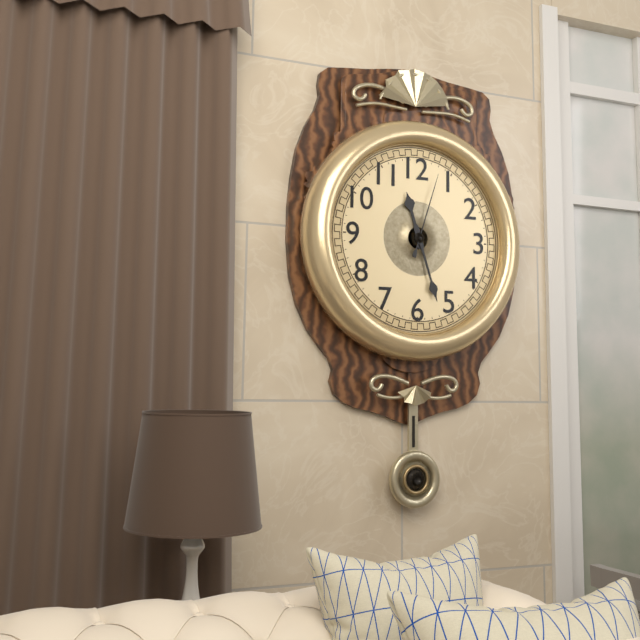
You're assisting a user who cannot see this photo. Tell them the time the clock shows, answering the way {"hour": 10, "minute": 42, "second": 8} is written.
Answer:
{"hour": 11, "minute": 27, "second": 3}
